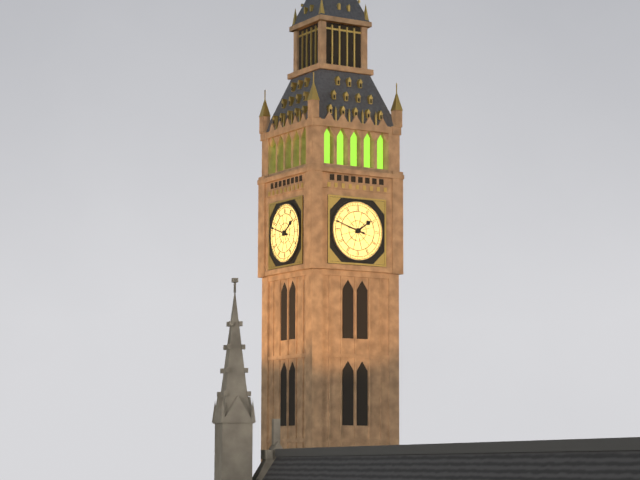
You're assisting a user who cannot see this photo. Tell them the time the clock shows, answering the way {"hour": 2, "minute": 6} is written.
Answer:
{"hour": 1, "minute": 48}
